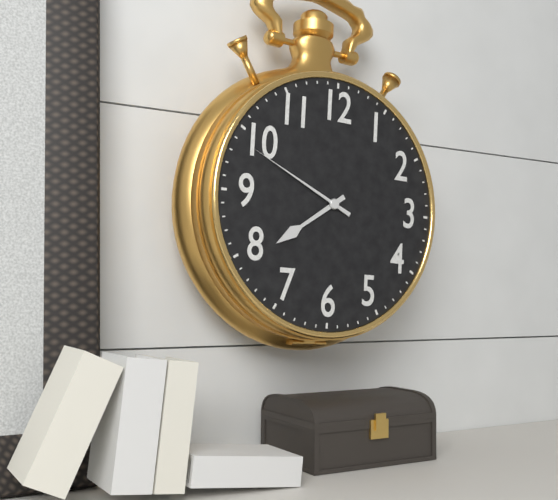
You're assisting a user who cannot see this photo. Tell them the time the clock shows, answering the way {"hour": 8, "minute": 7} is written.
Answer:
{"hour": 7, "minute": 49}
